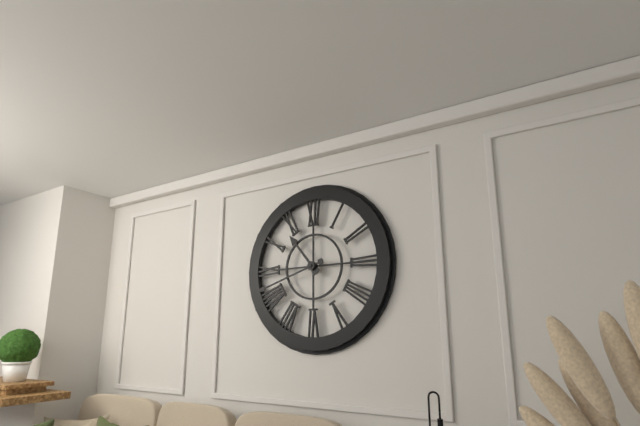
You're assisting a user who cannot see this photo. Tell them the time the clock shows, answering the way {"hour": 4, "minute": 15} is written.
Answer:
{"hour": 10, "minute": 42}
